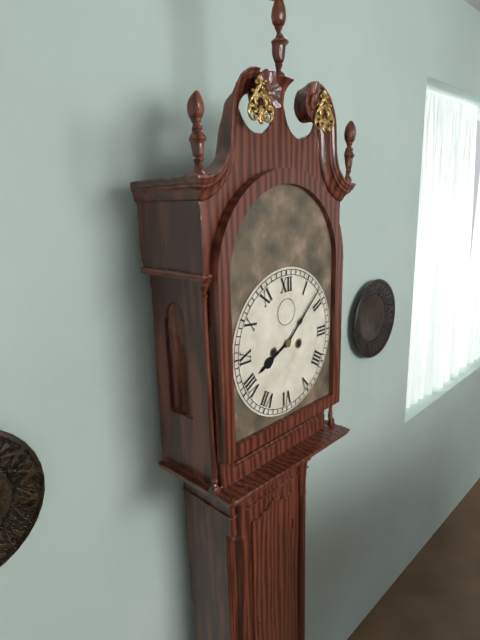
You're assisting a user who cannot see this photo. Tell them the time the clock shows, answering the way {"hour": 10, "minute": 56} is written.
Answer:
{"hour": 8, "minute": 8}
